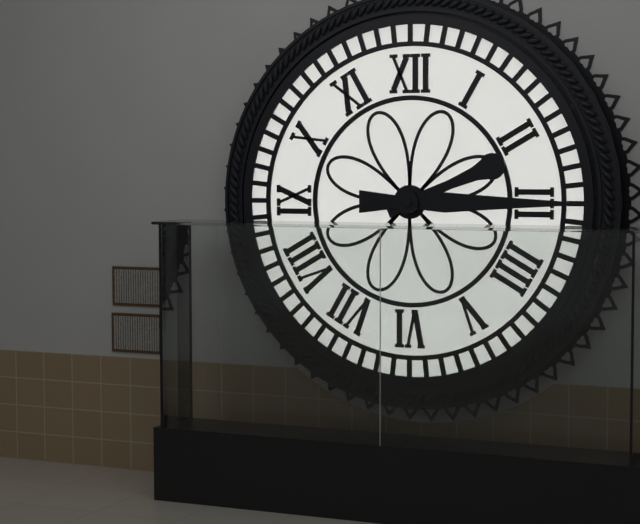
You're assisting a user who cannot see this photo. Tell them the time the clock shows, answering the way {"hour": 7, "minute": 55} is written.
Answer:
{"hour": 2, "minute": 15}
